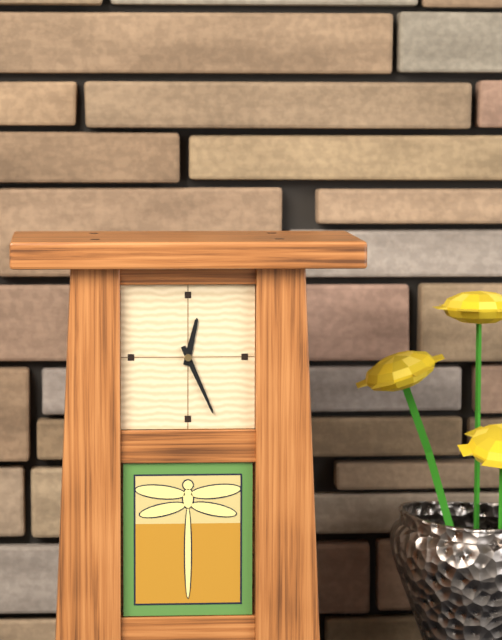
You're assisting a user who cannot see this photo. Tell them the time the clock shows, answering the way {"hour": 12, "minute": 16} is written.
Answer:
{"hour": 12, "minute": 26}
